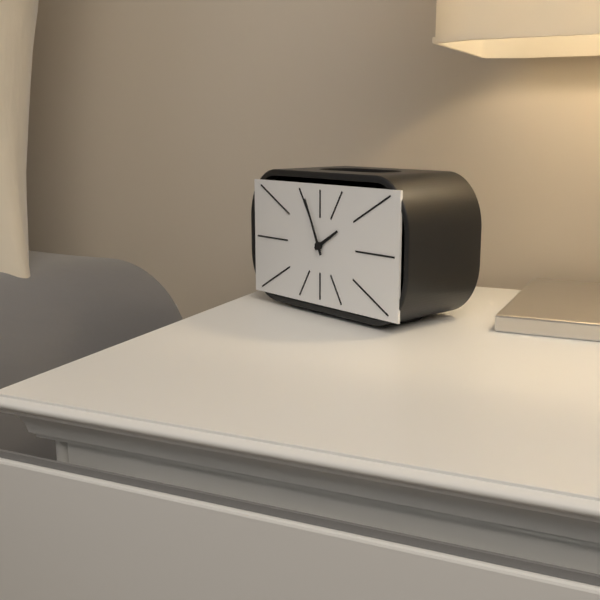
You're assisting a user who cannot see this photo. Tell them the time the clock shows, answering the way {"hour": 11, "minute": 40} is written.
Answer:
{"hour": 1, "minute": 56}
